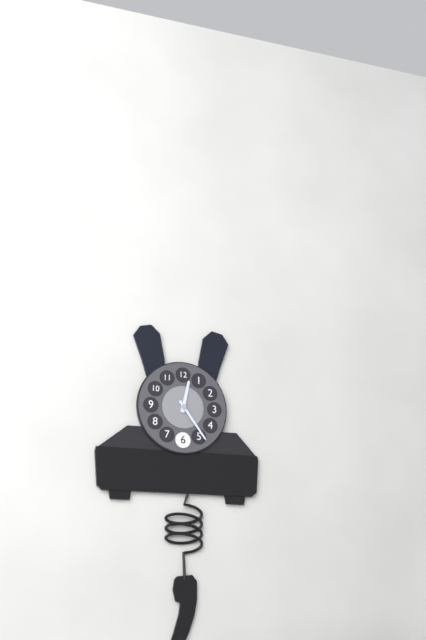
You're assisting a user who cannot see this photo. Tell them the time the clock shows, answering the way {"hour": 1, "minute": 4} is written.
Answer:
{"hour": 12, "minute": 24}
